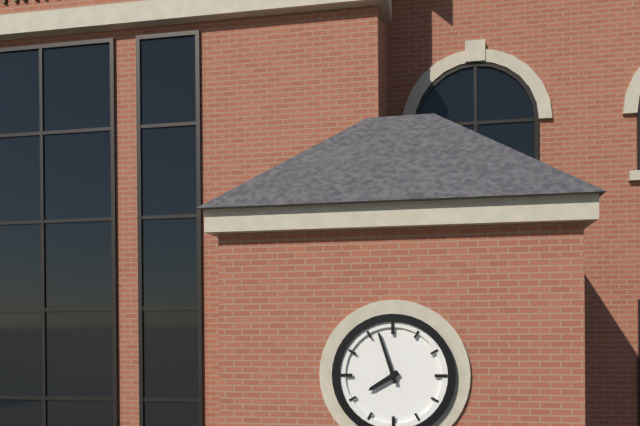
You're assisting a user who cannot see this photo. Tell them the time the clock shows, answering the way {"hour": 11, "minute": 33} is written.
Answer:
{"hour": 7, "minute": 57}
